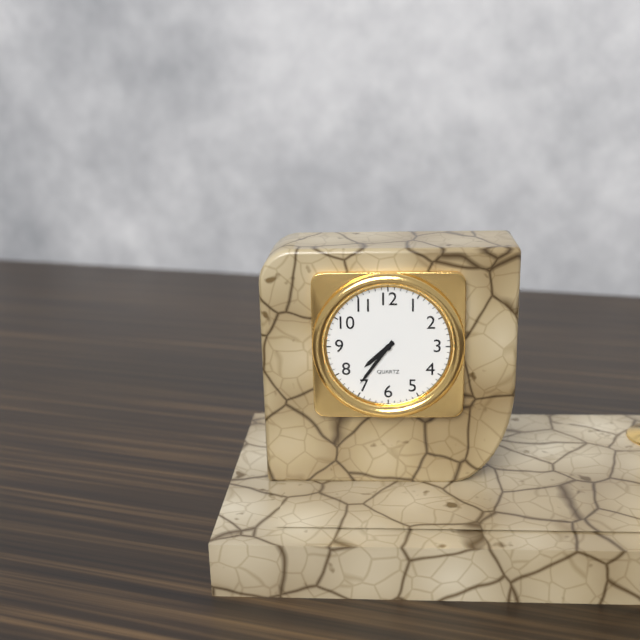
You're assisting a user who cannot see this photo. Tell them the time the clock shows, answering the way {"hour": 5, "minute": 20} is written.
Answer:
{"hour": 7, "minute": 36}
